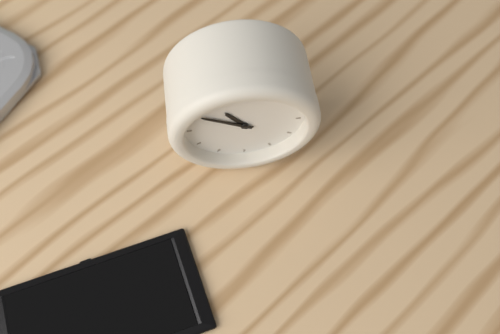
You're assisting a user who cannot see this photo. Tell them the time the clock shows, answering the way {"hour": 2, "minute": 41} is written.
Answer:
{"hour": 10, "minute": 50}
